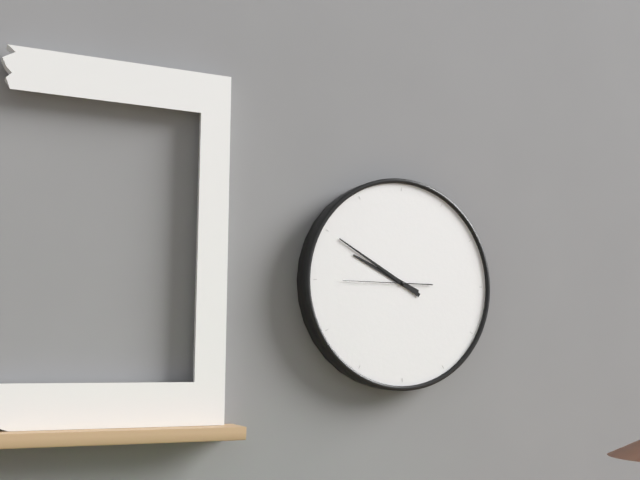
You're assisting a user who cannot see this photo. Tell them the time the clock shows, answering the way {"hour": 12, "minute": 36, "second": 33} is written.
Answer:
{"hour": 9, "minute": 50, "second": 45}
